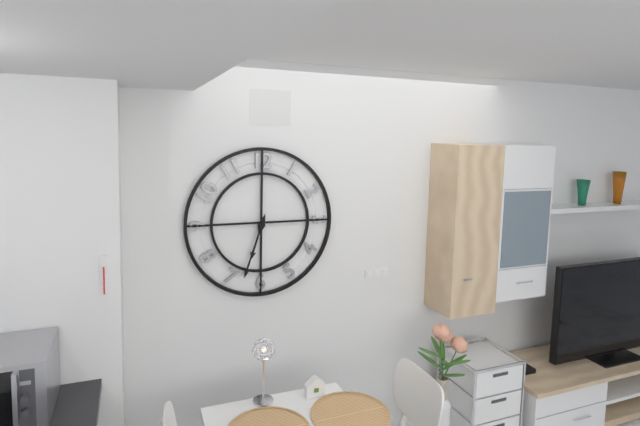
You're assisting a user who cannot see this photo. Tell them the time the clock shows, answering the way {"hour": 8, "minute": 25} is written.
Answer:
{"hour": 6, "minute": 33}
